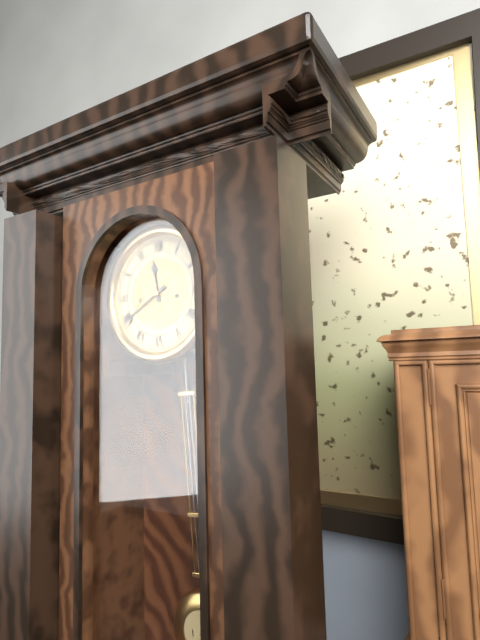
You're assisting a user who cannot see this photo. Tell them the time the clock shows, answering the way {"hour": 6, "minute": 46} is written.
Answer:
{"hour": 11, "minute": 40}
